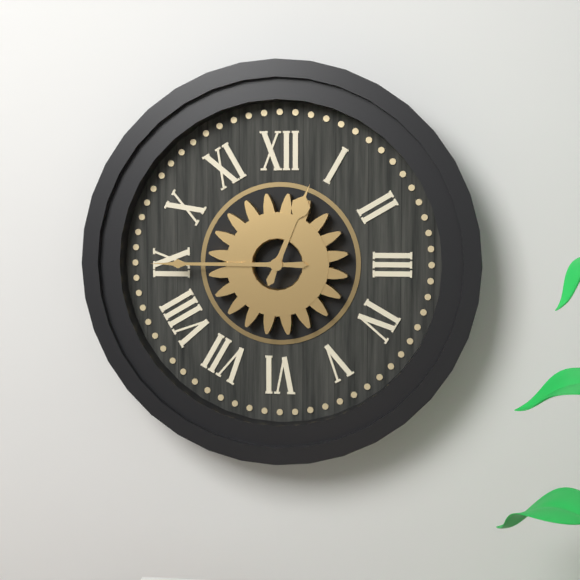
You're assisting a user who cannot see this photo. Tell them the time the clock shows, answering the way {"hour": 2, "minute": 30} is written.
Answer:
{"hour": 12, "minute": 45}
